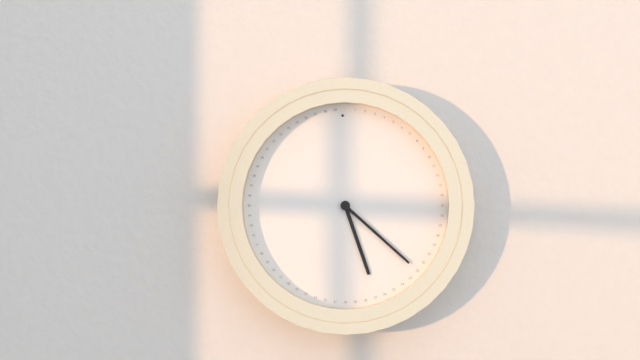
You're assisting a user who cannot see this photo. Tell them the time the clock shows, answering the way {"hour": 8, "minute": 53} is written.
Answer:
{"hour": 5, "minute": 22}
